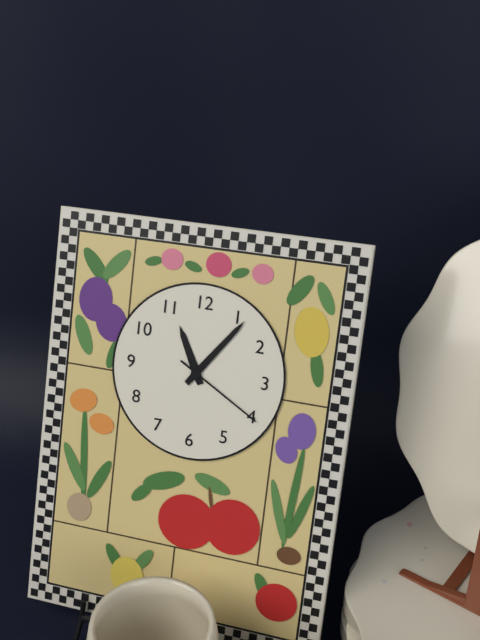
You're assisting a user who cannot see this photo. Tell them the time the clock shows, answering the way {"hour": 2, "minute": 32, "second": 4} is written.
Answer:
{"hour": 11, "minute": 6, "second": 20}
